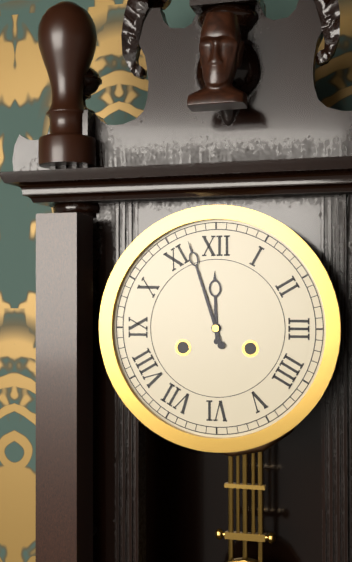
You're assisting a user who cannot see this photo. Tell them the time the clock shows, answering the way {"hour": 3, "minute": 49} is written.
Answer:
{"hour": 11, "minute": 57}
